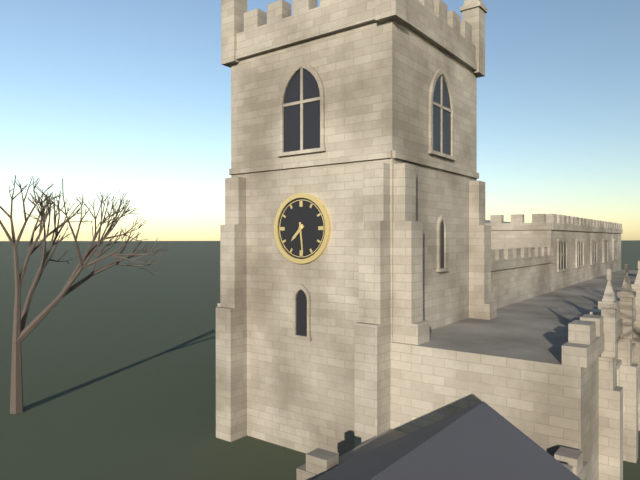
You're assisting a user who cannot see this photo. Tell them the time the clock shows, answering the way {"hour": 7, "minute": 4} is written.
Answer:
{"hour": 7, "minute": 29}
